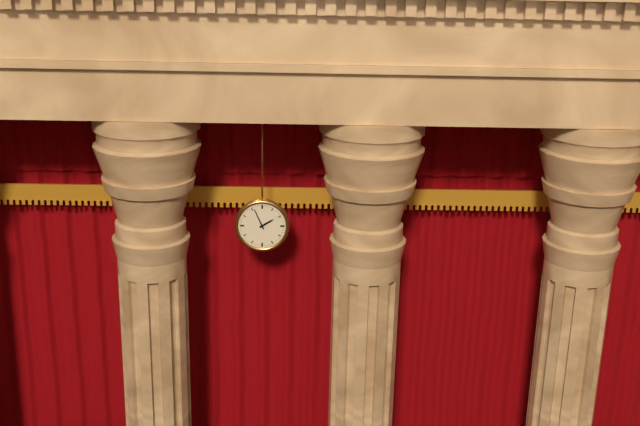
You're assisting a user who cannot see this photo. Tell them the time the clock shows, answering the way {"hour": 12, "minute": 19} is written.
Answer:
{"hour": 1, "minute": 56}
